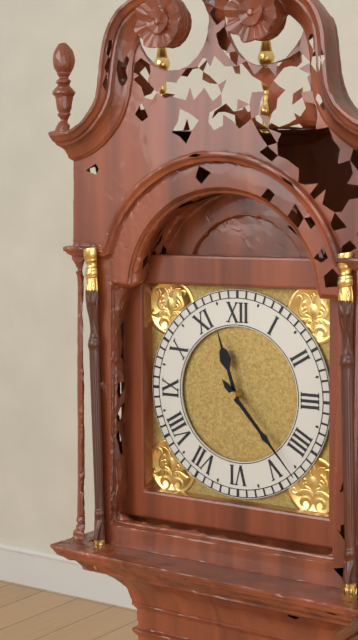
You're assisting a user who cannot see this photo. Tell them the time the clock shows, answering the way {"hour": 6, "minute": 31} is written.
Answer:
{"hour": 11, "minute": 23}
